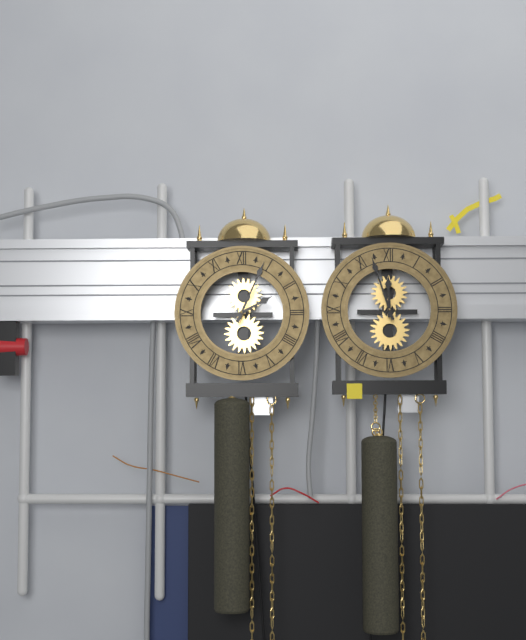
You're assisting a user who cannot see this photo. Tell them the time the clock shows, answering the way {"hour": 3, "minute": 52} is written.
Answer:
{"hour": 2, "minute": 4}
